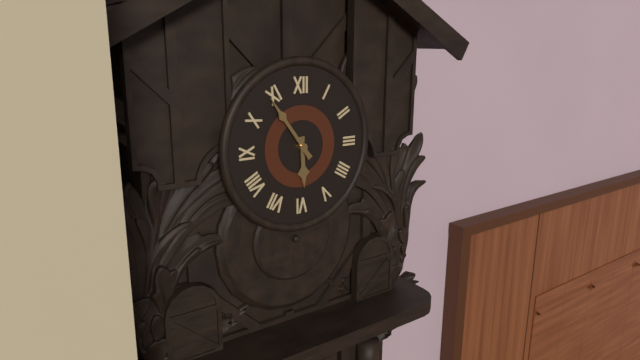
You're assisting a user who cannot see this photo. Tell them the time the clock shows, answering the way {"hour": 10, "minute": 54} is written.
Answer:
{"hour": 5, "minute": 54}
